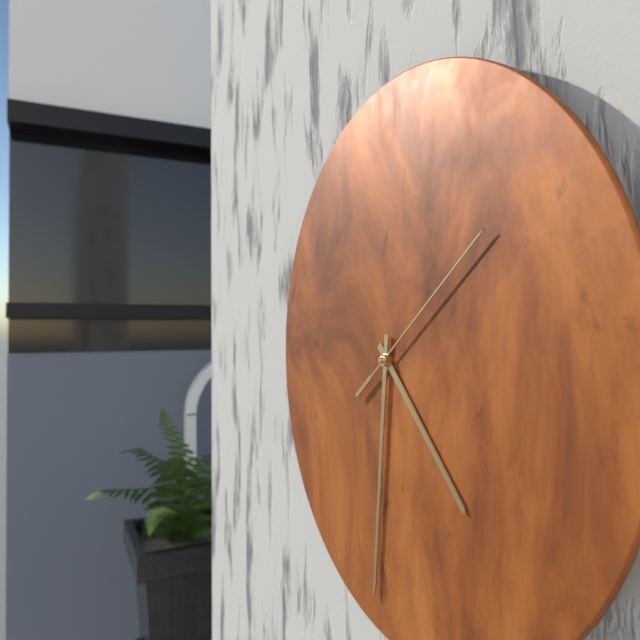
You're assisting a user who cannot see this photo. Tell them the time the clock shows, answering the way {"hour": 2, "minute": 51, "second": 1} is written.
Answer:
{"hour": 4, "minute": 31, "second": 9}
